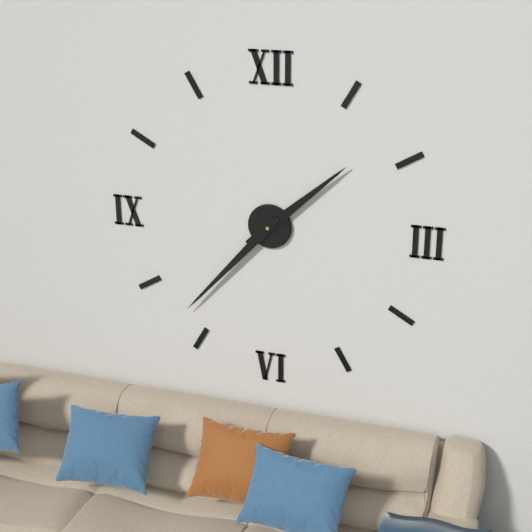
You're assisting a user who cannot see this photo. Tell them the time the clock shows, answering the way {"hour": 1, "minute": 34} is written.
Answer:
{"hour": 1, "minute": 37}
